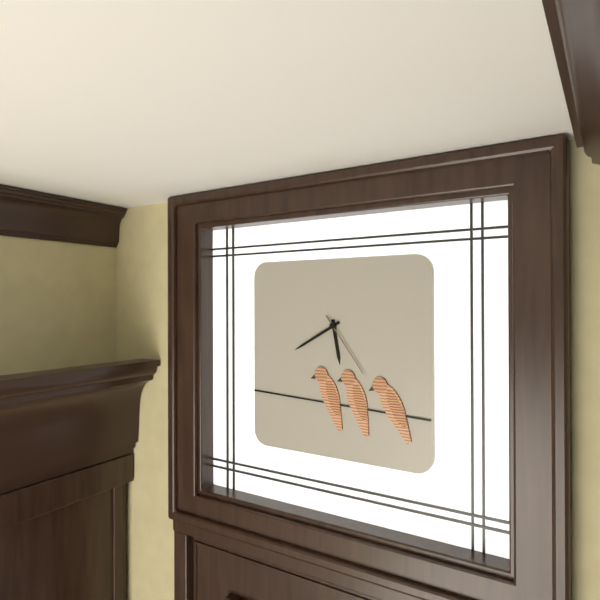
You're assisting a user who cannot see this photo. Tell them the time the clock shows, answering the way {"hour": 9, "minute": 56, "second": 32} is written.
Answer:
{"hour": 5, "minute": 40, "second": 24}
